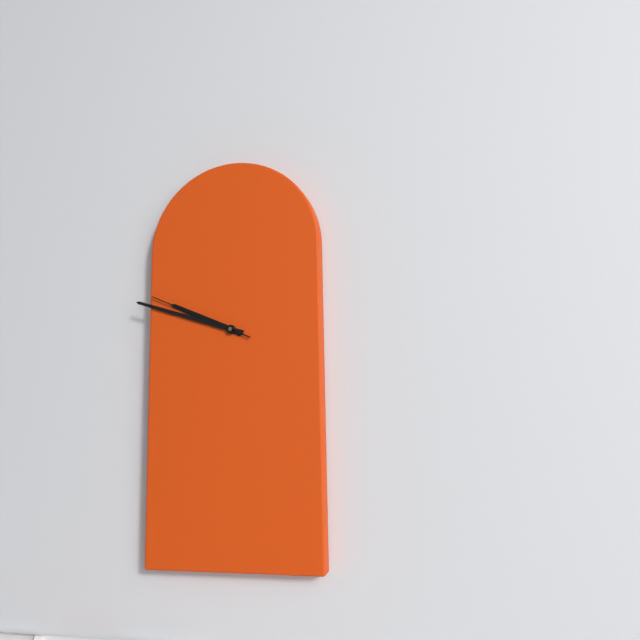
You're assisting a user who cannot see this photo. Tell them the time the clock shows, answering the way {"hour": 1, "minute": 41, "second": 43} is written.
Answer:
{"hour": 9, "minute": 48, "second": 49}
